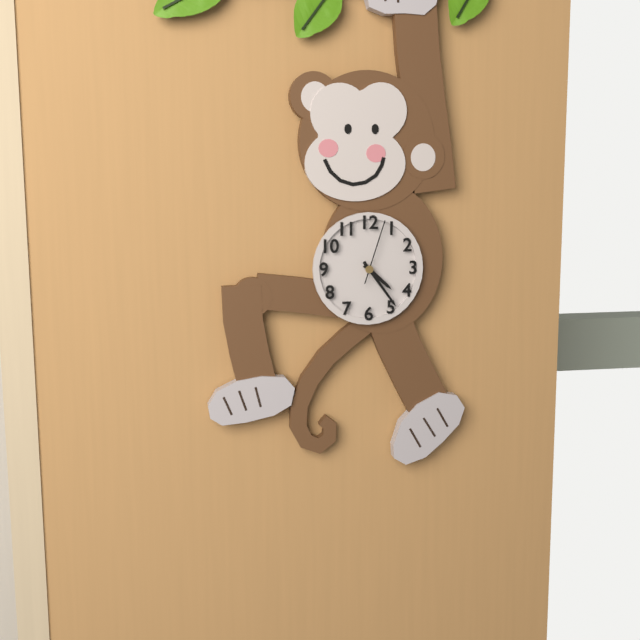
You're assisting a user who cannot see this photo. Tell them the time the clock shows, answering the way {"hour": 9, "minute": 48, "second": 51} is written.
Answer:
{"hour": 4, "minute": 24, "second": 3}
